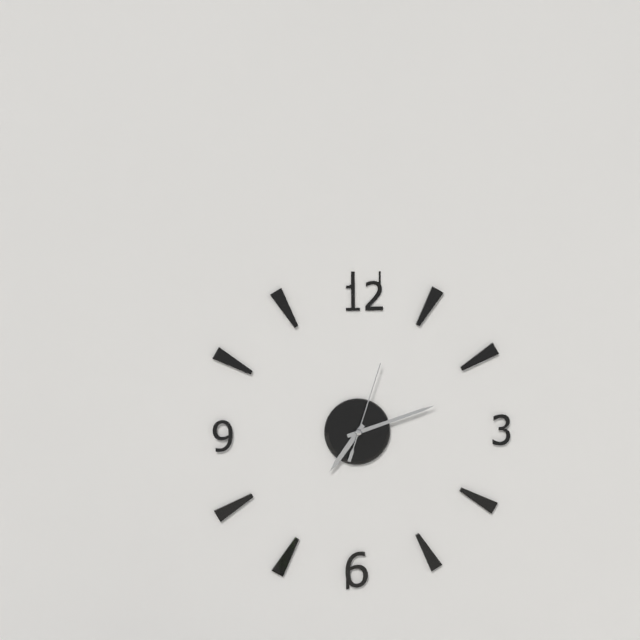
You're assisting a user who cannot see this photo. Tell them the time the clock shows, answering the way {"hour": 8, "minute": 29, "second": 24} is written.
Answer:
{"hour": 7, "minute": 12, "second": 3}
